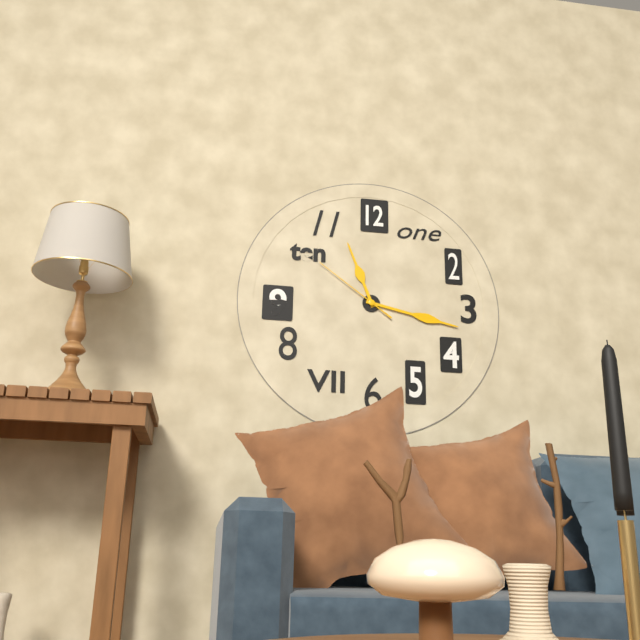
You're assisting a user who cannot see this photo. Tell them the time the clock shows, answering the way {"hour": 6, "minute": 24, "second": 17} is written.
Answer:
{"hour": 11, "minute": 17, "second": 51}
